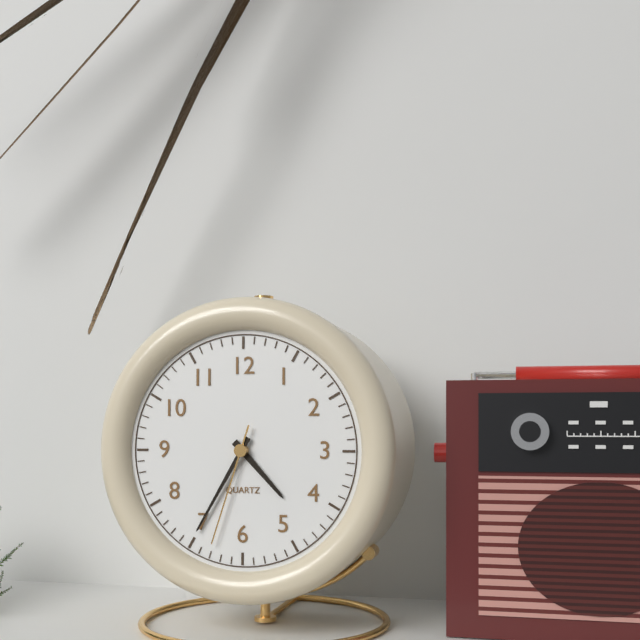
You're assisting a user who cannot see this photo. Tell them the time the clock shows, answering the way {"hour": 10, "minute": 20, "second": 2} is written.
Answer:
{"hour": 4, "minute": 35, "second": 33}
